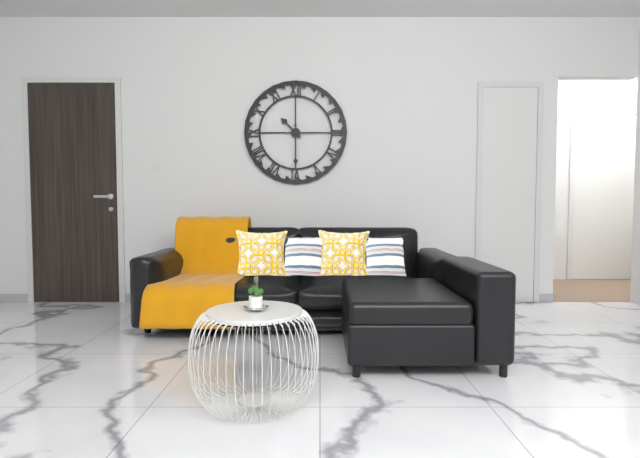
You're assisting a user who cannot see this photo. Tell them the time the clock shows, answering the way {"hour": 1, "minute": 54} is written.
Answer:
{"hour": 10, "minute": 30}
